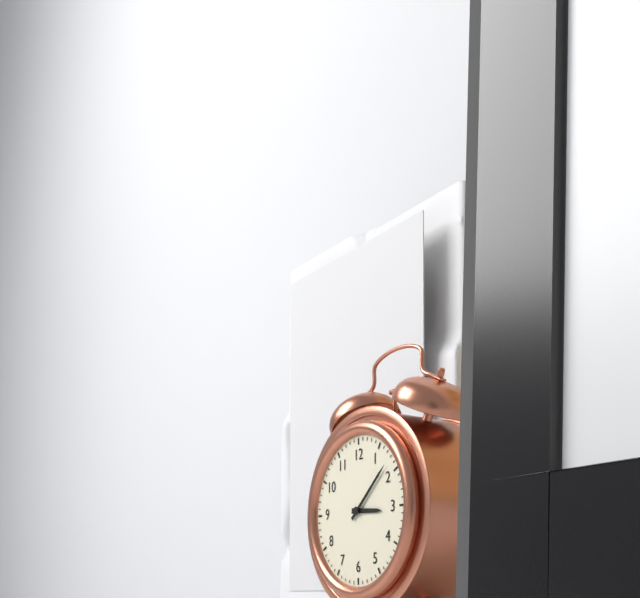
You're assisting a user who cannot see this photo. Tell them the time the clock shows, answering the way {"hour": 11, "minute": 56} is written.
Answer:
{"hour": 3, "minute": 8}
